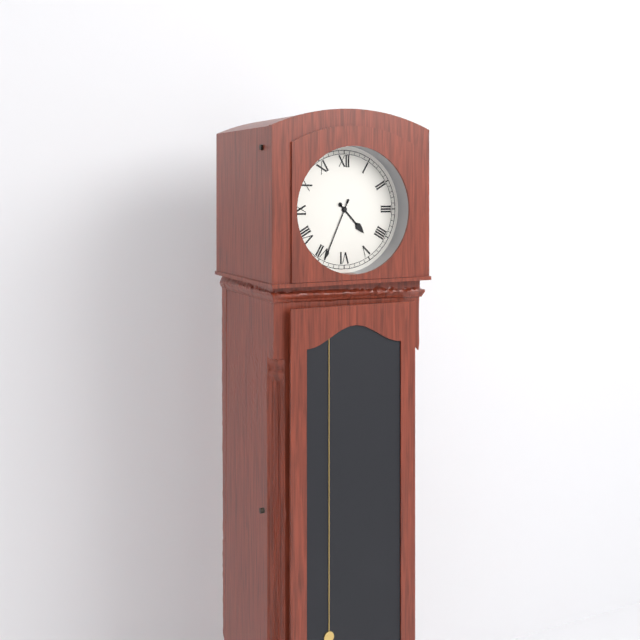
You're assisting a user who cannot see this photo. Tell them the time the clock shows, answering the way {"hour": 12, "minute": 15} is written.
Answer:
{"hour": 4, "minute": 34}
